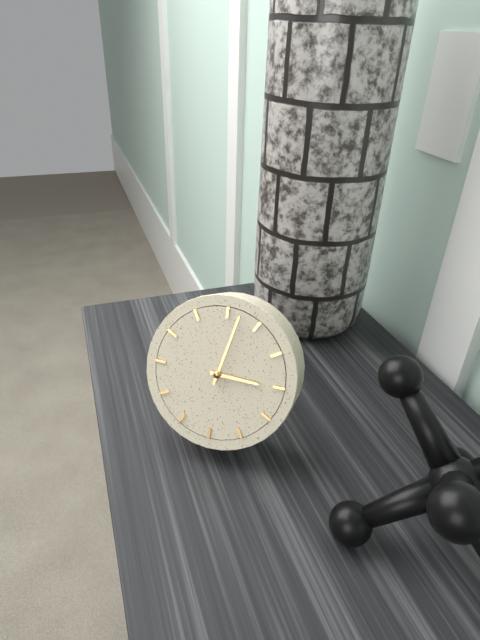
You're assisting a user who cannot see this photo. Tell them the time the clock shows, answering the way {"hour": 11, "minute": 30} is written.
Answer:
{"hour": 3, "minute": 2}
